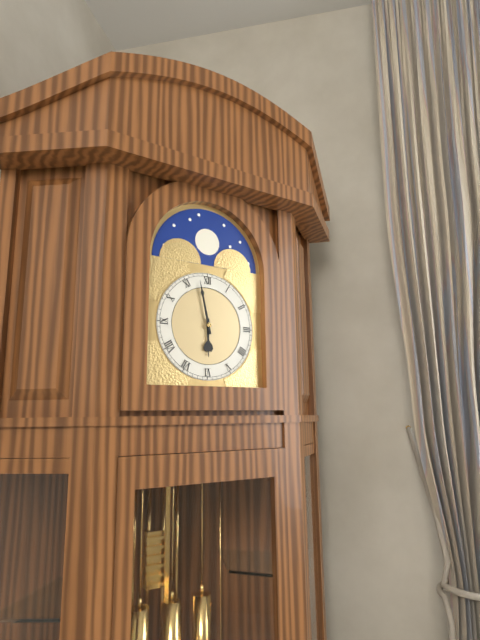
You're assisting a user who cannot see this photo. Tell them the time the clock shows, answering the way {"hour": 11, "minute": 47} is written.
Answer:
{"hour": 5, "minute": 58}
